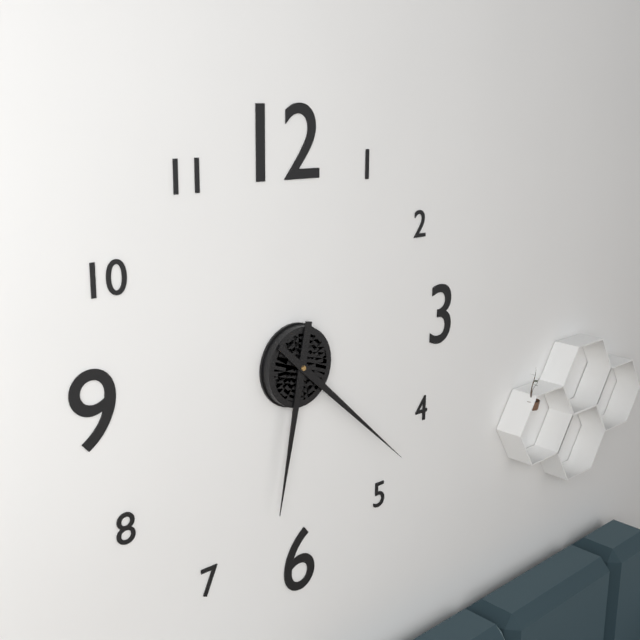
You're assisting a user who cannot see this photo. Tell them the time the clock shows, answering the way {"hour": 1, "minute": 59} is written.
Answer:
{"hour": 6, "minute": 22}
